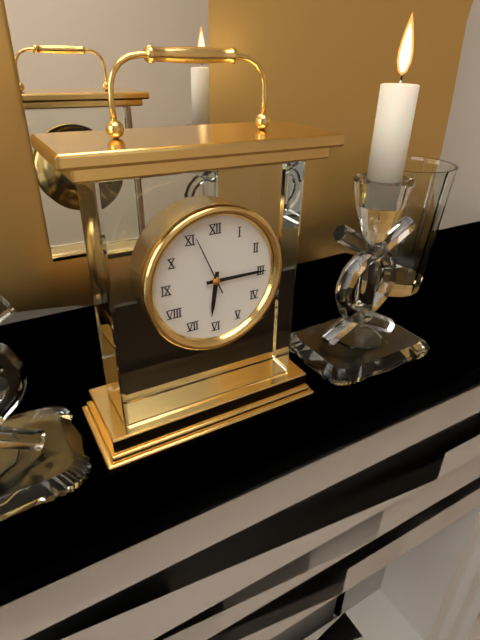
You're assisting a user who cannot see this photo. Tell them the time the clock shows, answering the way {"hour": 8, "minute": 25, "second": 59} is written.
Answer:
{"hour": 6, "minute": 15, "second": 56}
